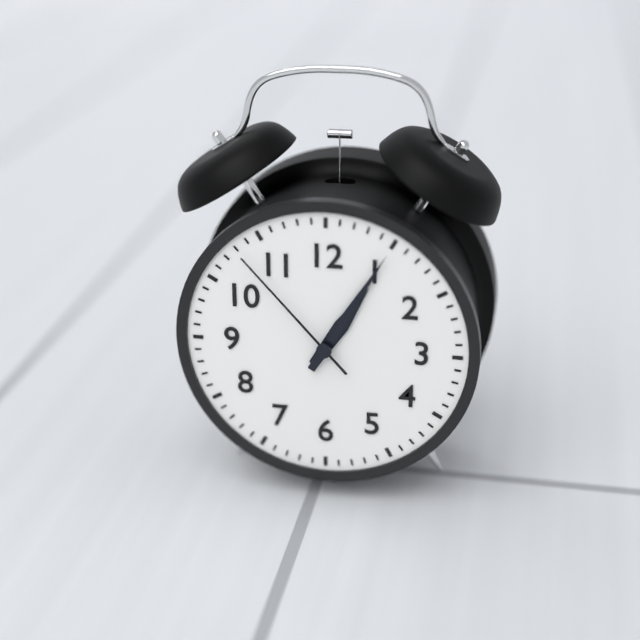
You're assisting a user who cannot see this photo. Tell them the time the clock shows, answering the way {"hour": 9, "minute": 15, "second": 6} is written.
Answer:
{"hour": 1, "minute": 5, "second": 53}
